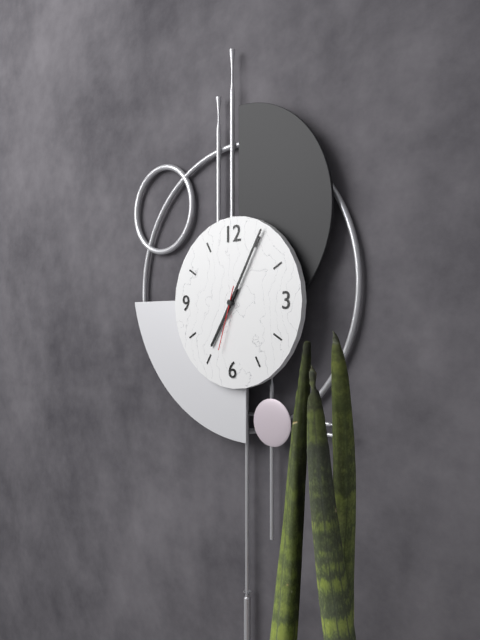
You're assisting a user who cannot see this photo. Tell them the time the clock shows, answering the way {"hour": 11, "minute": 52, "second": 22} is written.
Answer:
{"hour": 7, "minute": 5, "second": 33}
